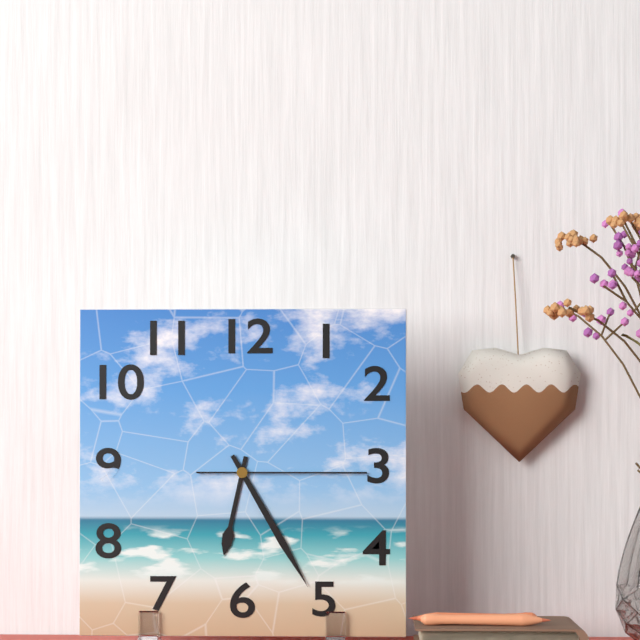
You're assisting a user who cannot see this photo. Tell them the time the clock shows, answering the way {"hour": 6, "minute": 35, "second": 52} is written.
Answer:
{"hour": 6, "minute": 25, "second": 15}
